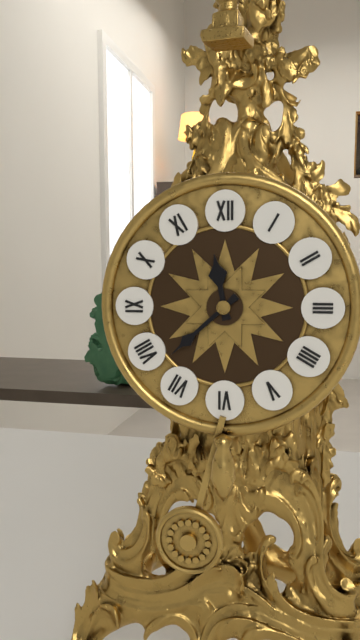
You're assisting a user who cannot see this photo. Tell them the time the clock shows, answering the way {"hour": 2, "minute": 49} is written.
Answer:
{"hour": 11, "minute": 38}
